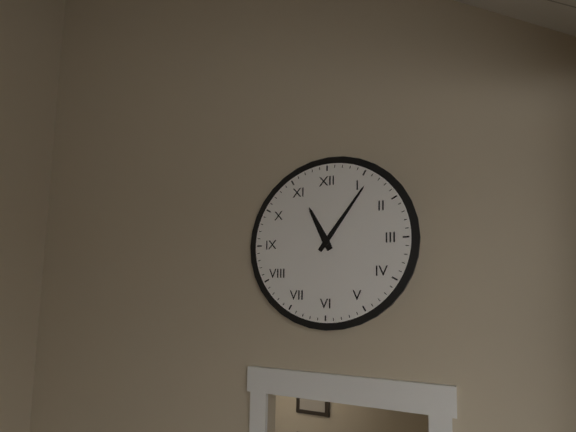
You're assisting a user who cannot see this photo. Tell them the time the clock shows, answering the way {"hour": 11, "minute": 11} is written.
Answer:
{"hour": 11, "minute": 6}
